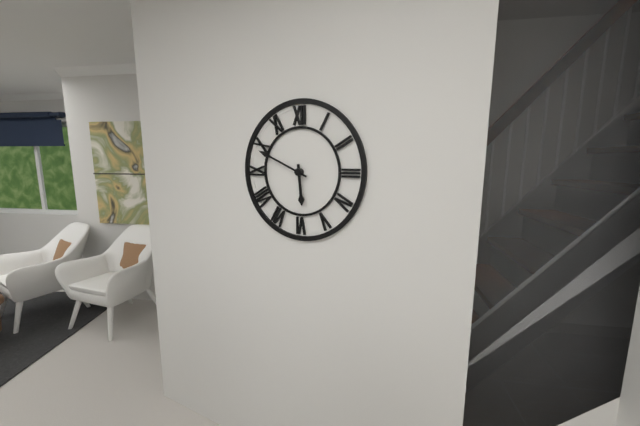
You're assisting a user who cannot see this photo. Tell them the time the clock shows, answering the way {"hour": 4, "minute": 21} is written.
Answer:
{"hour": 5, "minute": 49}
